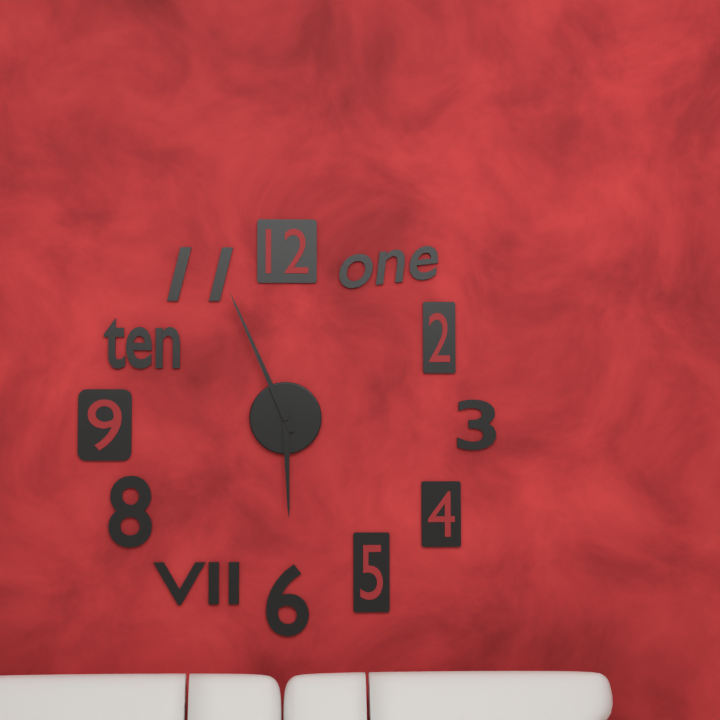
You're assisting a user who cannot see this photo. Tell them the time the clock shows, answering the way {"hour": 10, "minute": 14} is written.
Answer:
{"hour": 5, "minute": 56}
